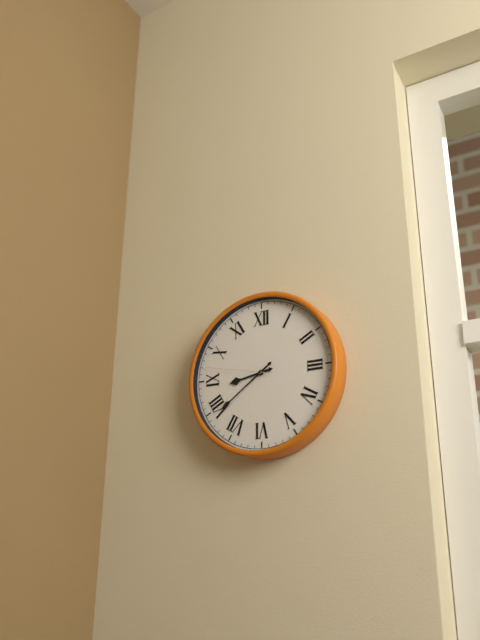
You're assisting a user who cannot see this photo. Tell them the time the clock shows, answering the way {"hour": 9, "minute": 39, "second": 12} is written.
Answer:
{"hour": 8, "minute": 39, "second": 47}
